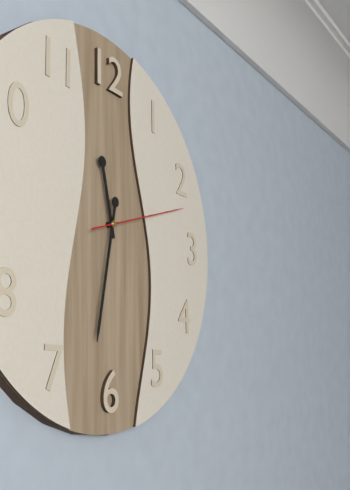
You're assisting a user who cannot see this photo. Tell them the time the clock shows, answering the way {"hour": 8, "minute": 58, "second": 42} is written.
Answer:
{"hour": 11, "minute": 32, "second": 12}
